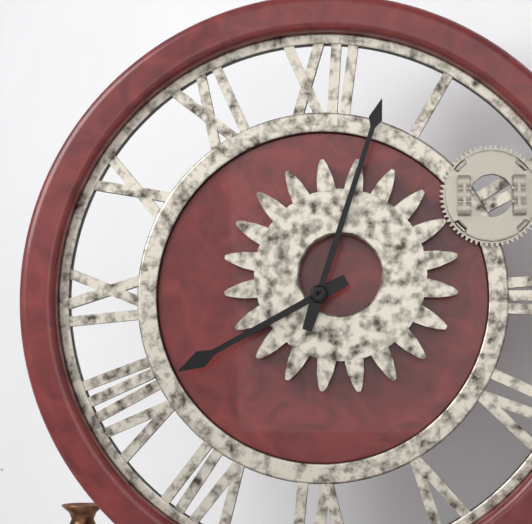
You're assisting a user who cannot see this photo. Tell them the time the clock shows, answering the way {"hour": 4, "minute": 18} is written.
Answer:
{"hour": 8, "minute": 3}
